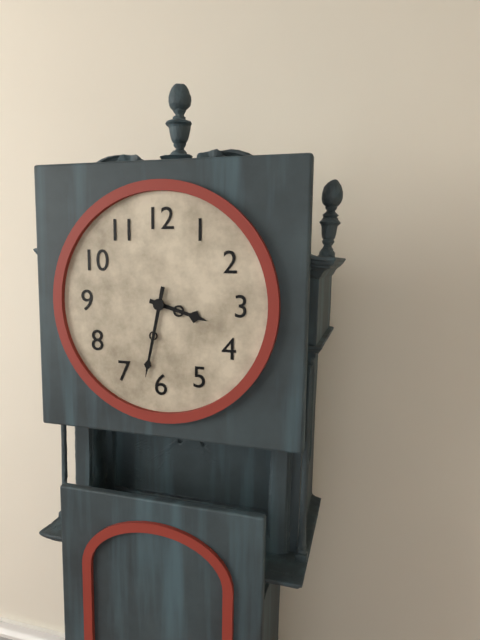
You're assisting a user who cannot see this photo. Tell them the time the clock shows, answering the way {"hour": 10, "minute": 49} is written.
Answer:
{"hour": 3, "minute": 32}
